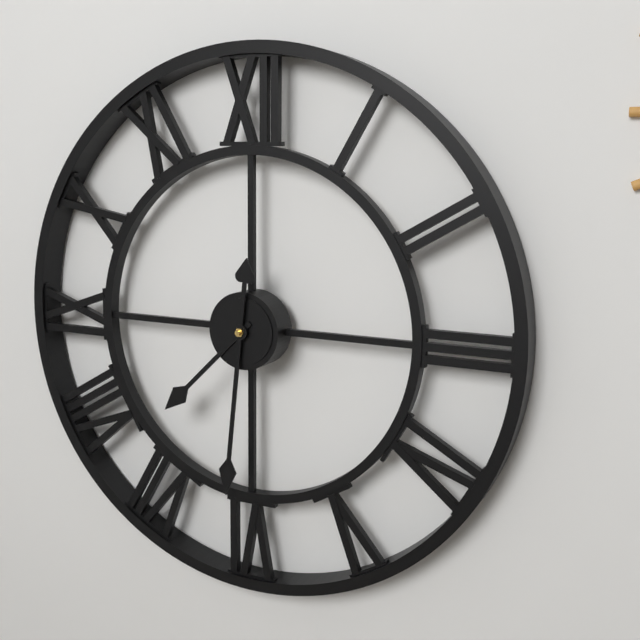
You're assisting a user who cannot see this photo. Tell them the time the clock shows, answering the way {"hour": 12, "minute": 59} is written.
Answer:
{"hour": 7, "minute": 31}
